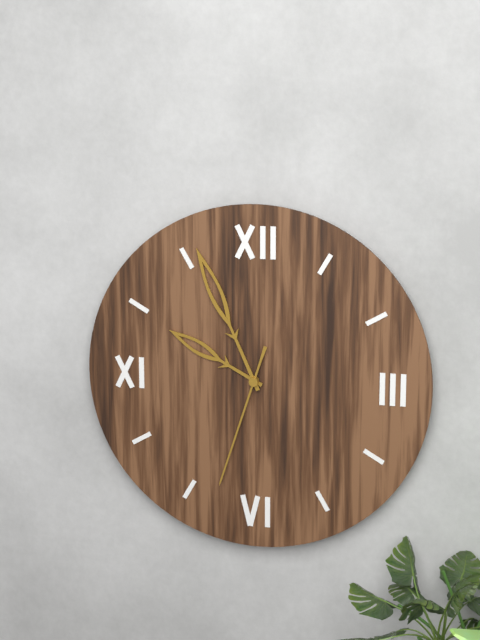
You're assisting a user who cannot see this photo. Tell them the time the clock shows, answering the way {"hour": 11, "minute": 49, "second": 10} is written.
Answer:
{"hour": 9, "minute": 56, "second": 33}
